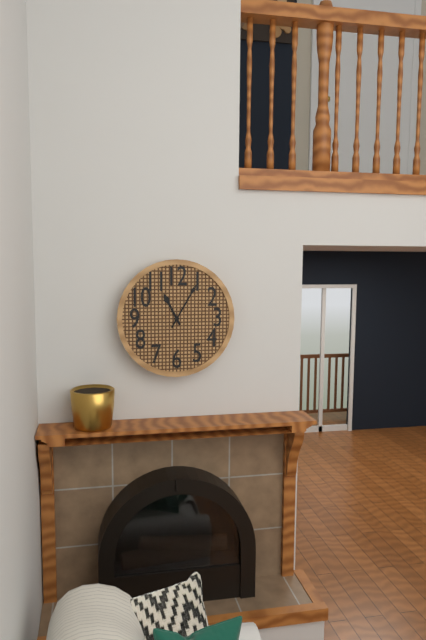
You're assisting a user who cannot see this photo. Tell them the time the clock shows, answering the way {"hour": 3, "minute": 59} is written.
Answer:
{"hour": 11, "minute": 5}
